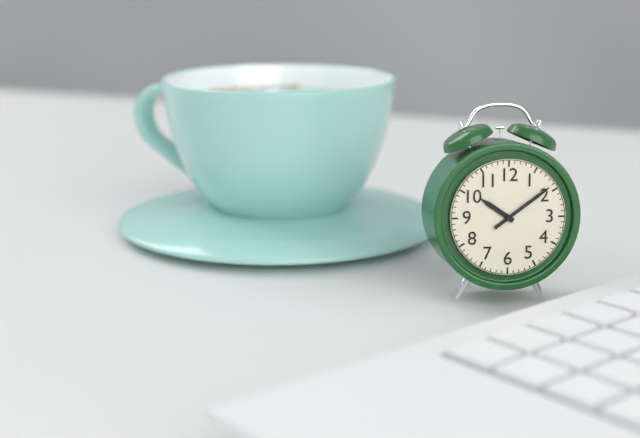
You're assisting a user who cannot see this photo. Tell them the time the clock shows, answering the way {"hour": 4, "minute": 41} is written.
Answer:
{"hour": 10, "minute": 9}
